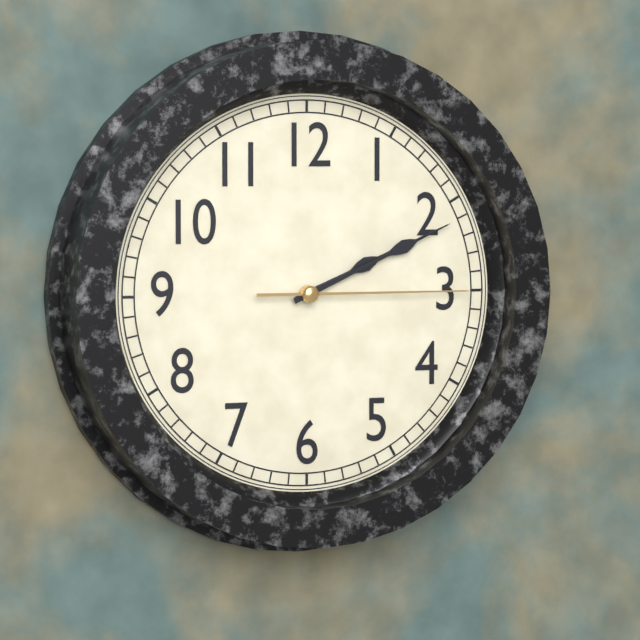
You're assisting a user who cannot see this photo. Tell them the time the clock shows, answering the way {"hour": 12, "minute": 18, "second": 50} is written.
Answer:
{"hour": 2, "minute": 11, "second": 15}
